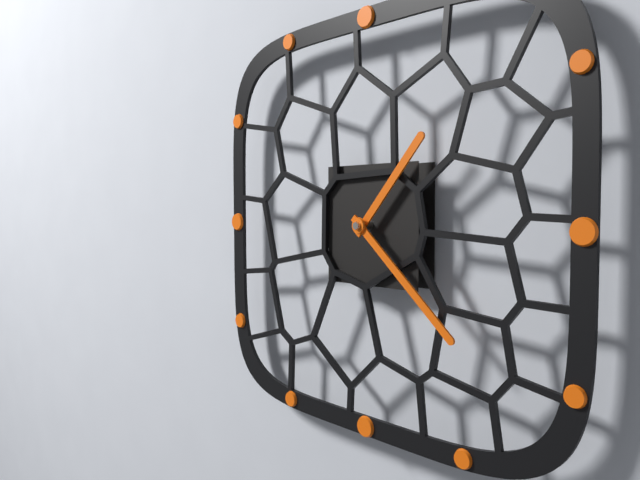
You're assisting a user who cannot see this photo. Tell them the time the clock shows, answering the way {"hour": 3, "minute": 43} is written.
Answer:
{"hour": 1, "minute": 22}
